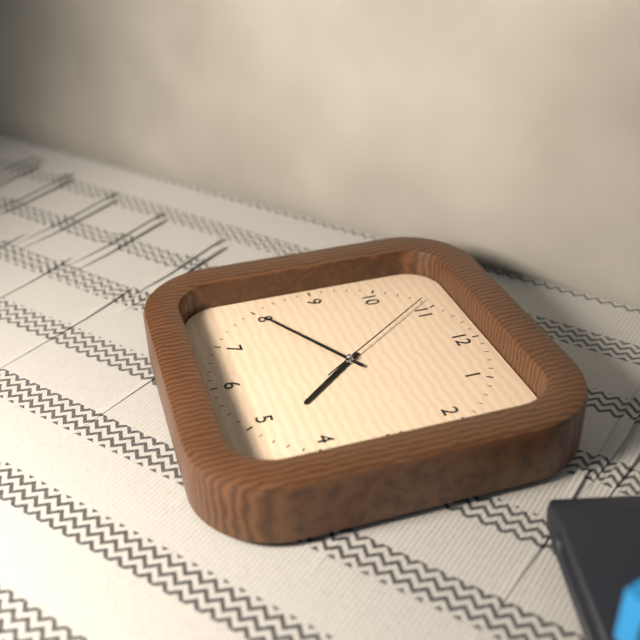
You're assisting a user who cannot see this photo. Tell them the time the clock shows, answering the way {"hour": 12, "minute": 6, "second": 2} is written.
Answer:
{"hour": 4, "minute": 40, "second": 54}
